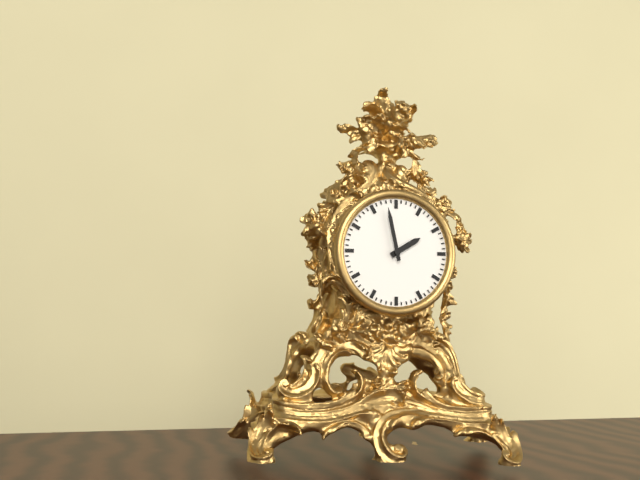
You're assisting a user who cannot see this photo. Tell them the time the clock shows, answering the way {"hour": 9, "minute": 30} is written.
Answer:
{"hour": 1, "minute": 58}
